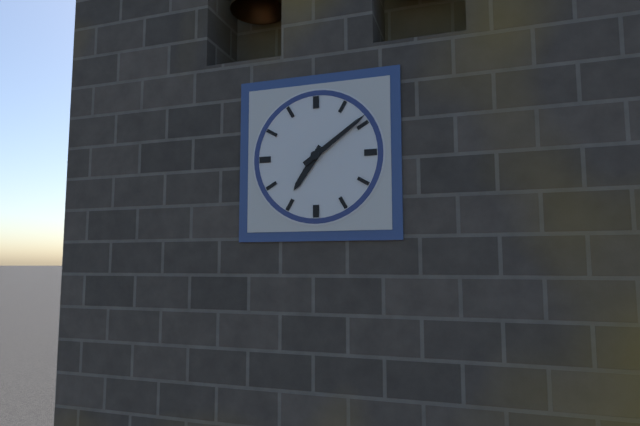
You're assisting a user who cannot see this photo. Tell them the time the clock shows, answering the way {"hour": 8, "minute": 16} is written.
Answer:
{"hour": 7, "minute": 9}
